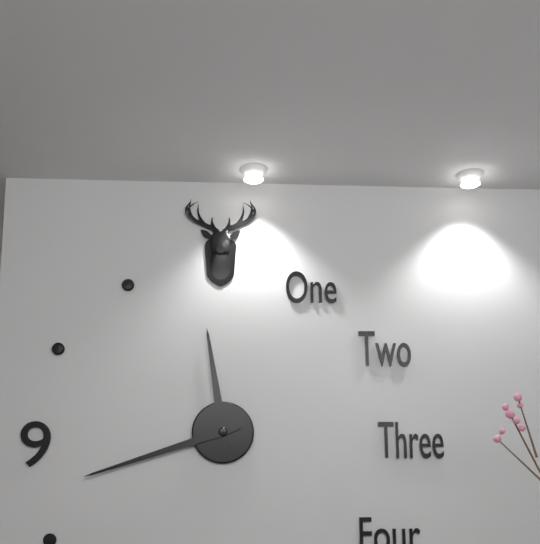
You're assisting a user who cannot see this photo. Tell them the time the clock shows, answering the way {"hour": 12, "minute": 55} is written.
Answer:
{"hour": 11, "minute": 42}
